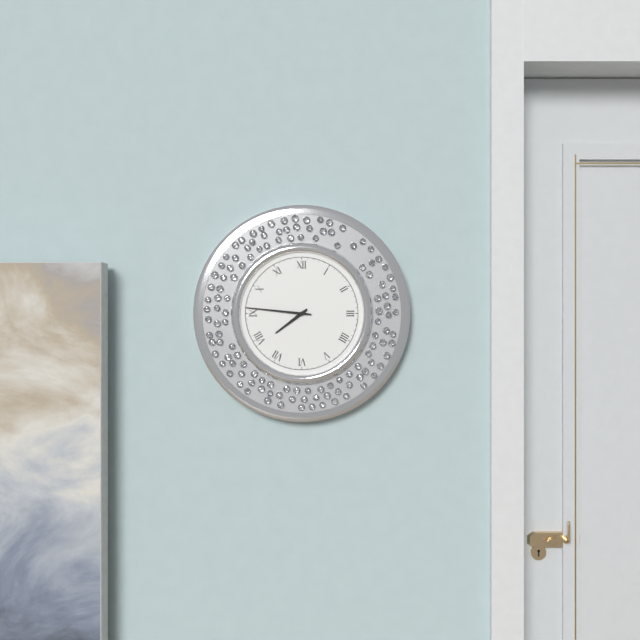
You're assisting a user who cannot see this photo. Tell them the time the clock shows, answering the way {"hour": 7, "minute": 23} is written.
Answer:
{"hour": 7, "minute": 46}
